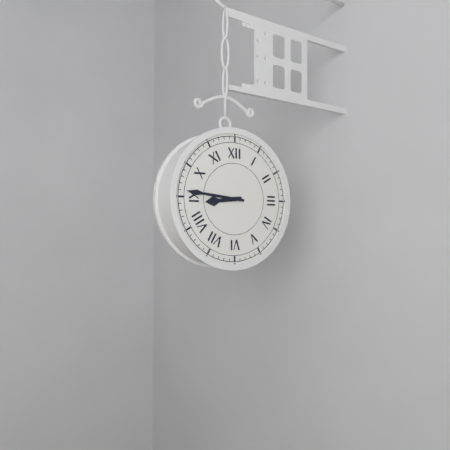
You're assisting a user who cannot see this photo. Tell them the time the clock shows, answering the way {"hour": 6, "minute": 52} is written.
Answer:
{"hour": 8, "minute": 46}
